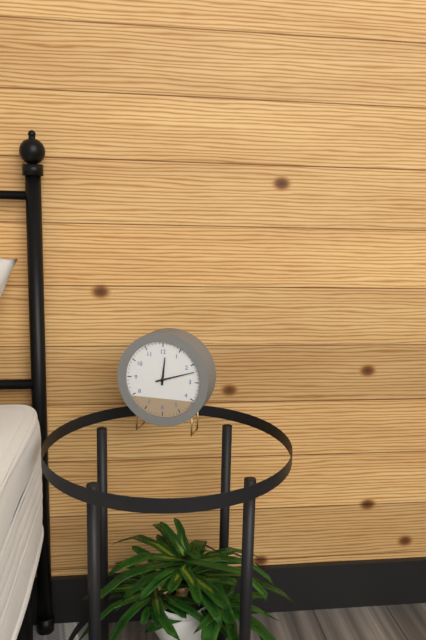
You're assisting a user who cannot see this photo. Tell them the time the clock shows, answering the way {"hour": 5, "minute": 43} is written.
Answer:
{"hour": 12, "minute": 12}
